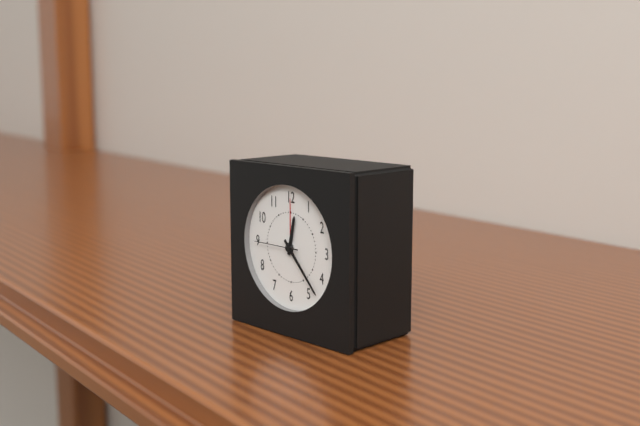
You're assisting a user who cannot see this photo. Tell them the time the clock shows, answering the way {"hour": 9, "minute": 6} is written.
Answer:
{"hour": 12, "minute": 23}
